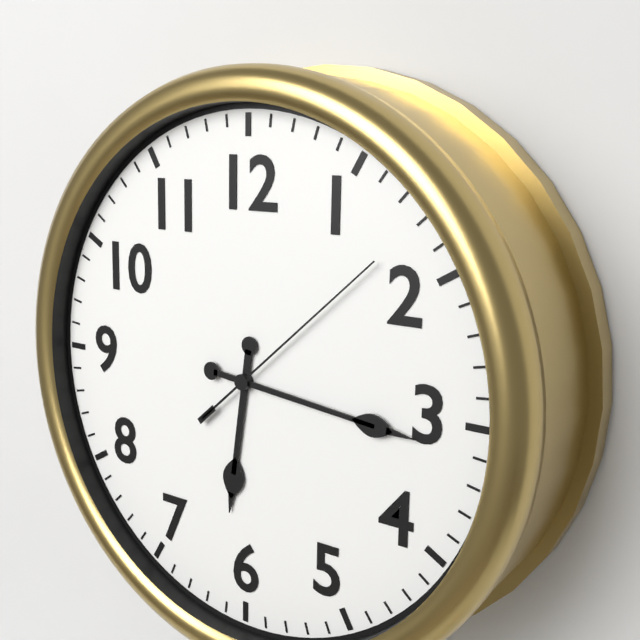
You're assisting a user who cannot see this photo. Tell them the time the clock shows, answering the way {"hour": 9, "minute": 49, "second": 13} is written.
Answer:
{"hour": 6, "minute": 16, "second": 8}
